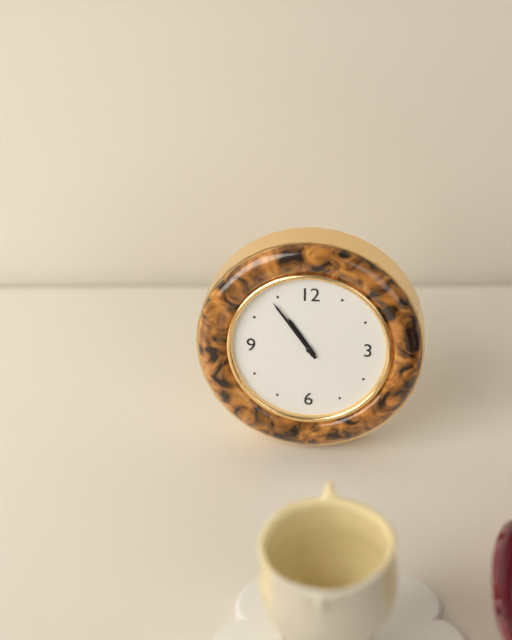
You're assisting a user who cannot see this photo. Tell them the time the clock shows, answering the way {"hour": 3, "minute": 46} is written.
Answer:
{"hour": 10, "minute": 54}
